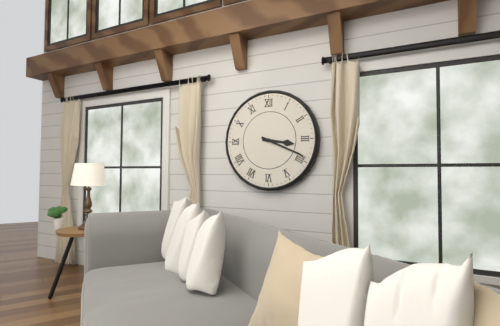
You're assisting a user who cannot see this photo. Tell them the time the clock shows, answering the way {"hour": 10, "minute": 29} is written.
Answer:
{"hour": 3, "minute": 19}
